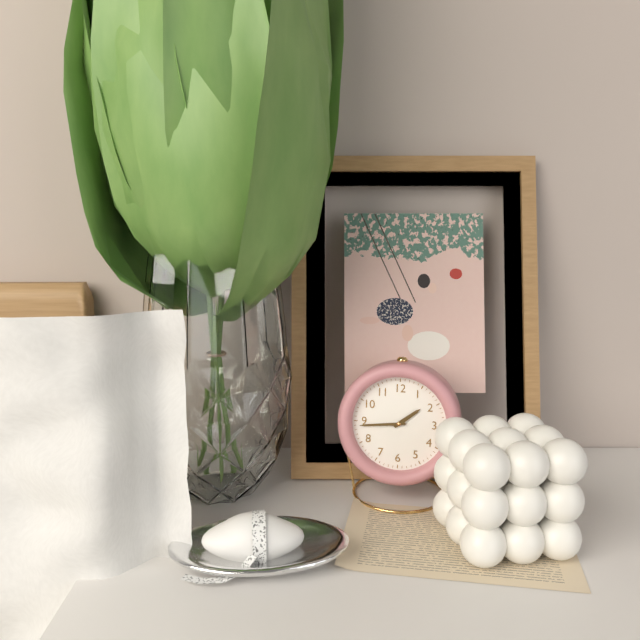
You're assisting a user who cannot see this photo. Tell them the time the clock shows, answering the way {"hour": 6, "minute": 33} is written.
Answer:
{"hour": 1, "minute": 44}
